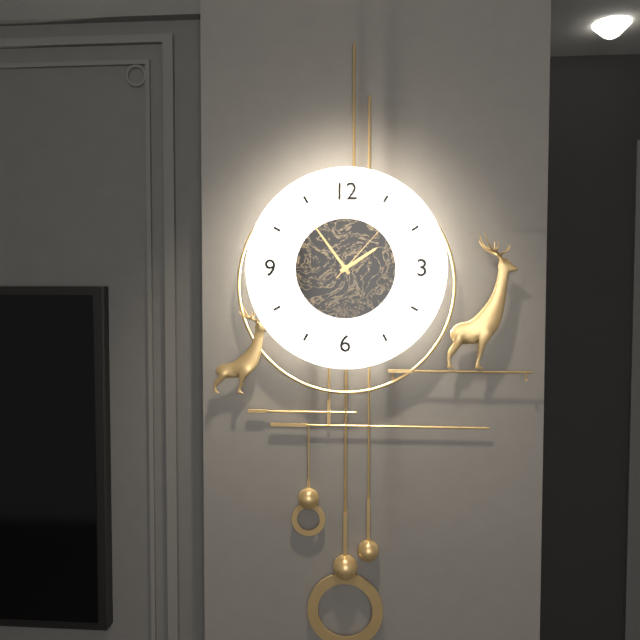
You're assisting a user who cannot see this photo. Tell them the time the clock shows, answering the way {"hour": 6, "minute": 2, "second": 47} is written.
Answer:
{"hour": 1, "minute": 54, "second": 7}
